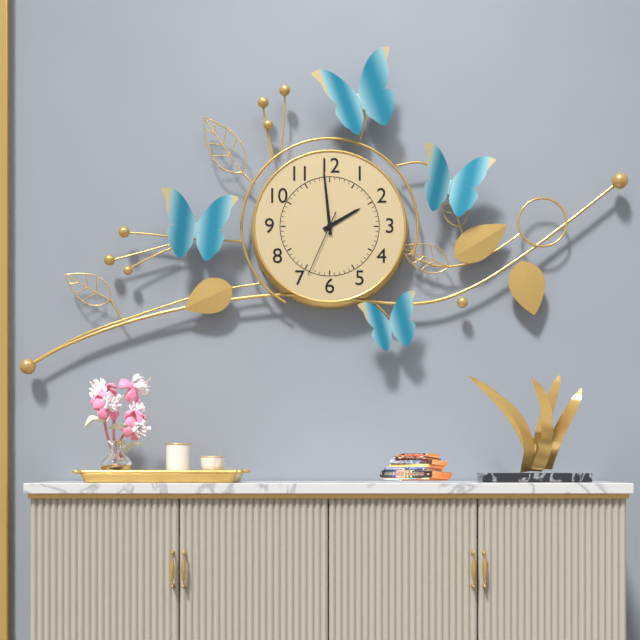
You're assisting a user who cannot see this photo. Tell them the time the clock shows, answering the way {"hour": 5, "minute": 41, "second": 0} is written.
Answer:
{"hour": 1, "minute": 59, "second": 34}
